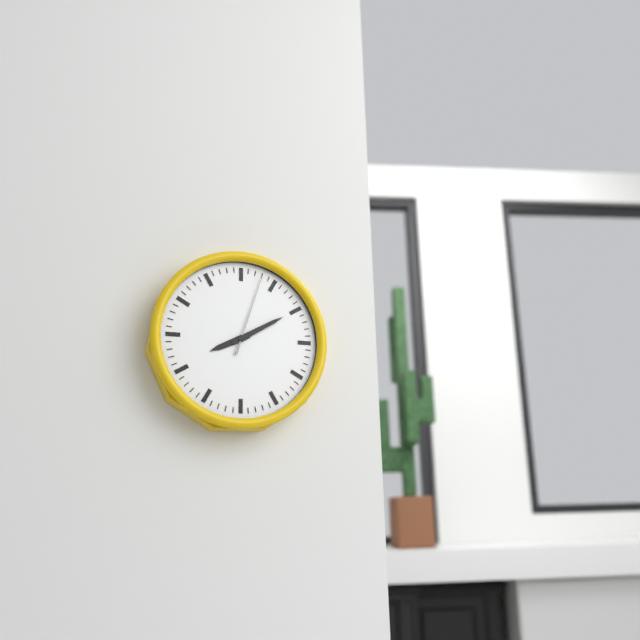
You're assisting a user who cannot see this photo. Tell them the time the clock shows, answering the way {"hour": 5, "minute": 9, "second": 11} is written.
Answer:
{"hour": 8, "minute": 10, "second": 3}
